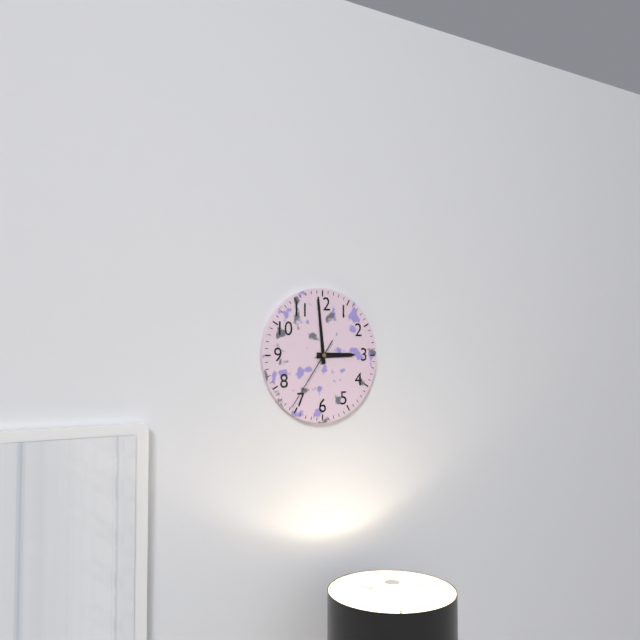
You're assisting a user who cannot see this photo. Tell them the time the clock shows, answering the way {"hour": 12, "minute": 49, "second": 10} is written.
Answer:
{"hour": 2, "minute": 59, "second": 36}
